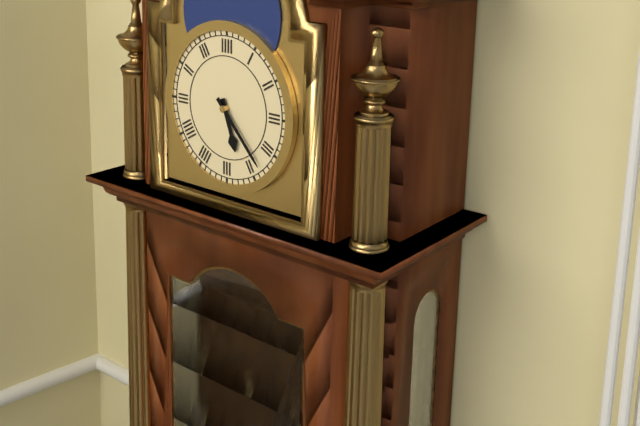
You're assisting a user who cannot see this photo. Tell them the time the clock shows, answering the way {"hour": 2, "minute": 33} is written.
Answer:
{"hour": 5, "minute": 23}
